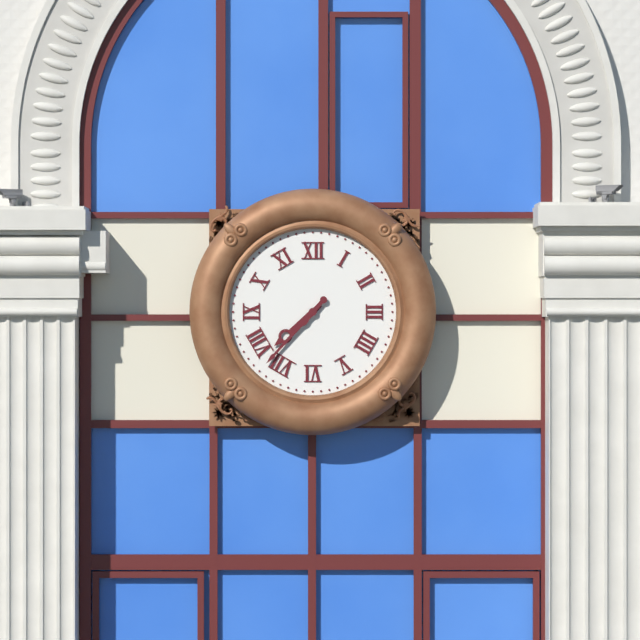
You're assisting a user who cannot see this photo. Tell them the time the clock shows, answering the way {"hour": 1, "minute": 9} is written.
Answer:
{"hour": 7, "minute": 37}
